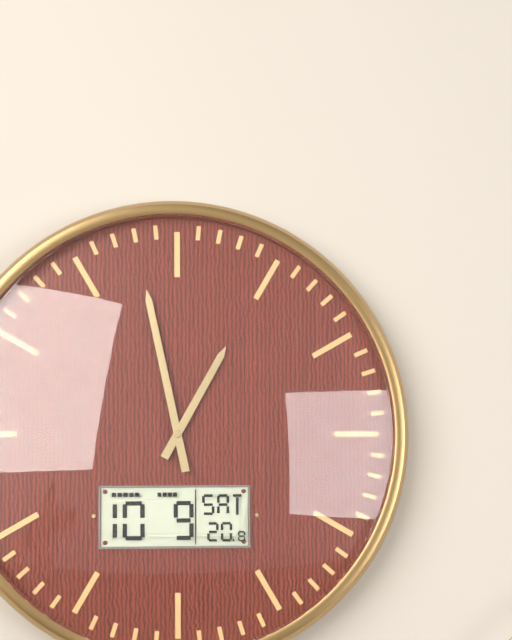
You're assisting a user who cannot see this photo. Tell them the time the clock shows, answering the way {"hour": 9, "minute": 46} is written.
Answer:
{"hour": 12, "minute": 58}
